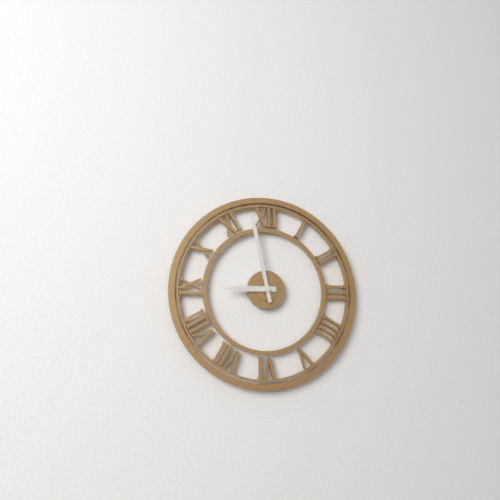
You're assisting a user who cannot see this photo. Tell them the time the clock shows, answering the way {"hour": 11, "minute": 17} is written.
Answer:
{"hour": 8, "minute": 58}
